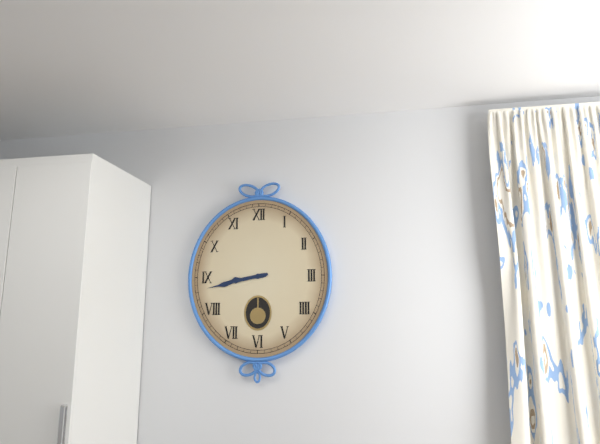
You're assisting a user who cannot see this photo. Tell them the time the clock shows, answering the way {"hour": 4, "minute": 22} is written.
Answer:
{"hour": 8, "minute": 43}
